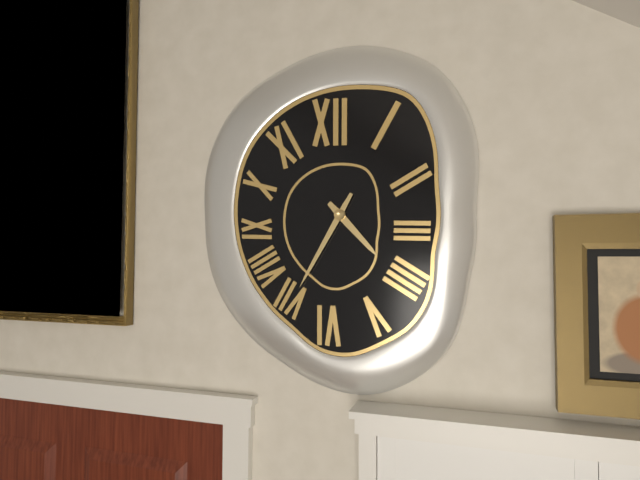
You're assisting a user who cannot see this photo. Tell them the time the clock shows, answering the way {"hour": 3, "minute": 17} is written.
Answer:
{"hour": 4, "minute": 35}
